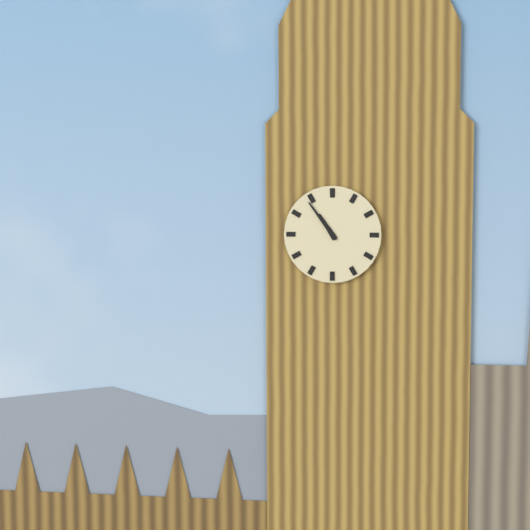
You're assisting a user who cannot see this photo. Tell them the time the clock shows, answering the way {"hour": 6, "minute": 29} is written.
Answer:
{"hour": 10, "minute": 54}
